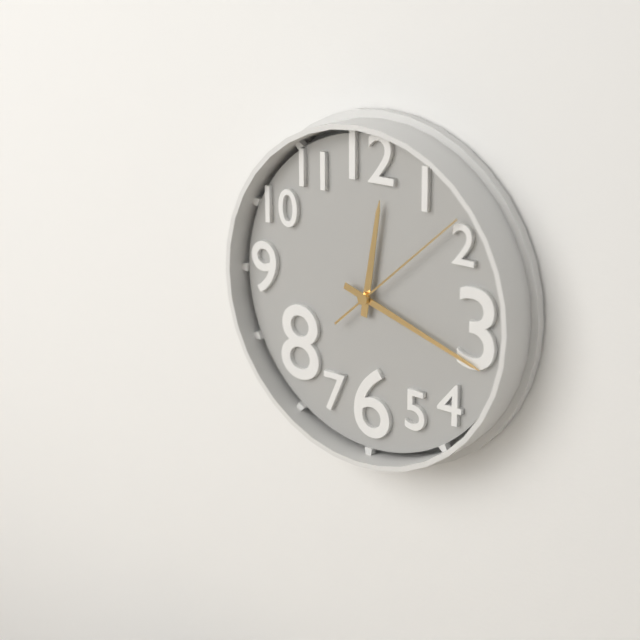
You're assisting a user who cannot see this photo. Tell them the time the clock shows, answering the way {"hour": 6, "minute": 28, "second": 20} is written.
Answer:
{"hour": 12, "minute": 18, "second": 8}
